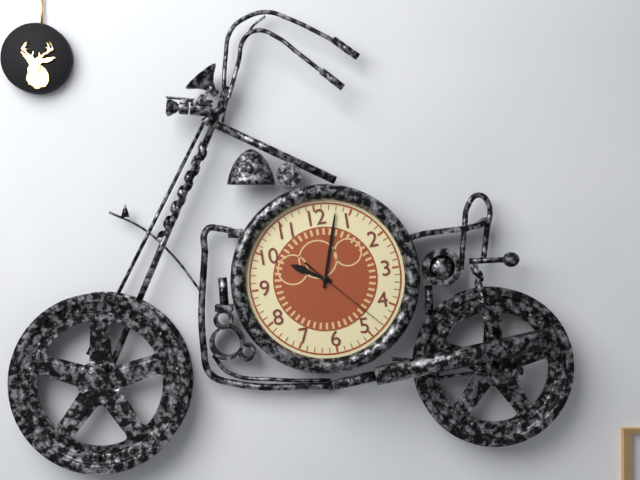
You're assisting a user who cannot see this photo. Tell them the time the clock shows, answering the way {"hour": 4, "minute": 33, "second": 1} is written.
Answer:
{"hour": 10, "minute": 3, "second": 23}
